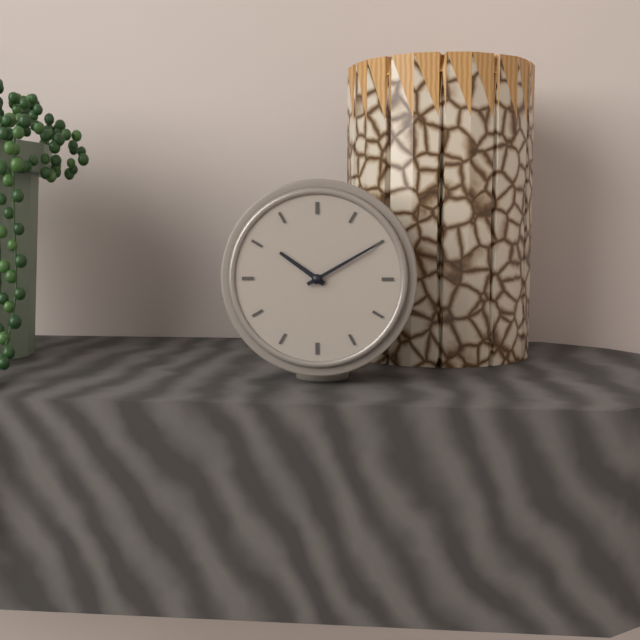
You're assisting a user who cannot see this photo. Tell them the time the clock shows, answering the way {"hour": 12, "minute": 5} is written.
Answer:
{"hour": 10, "minute": 10}
